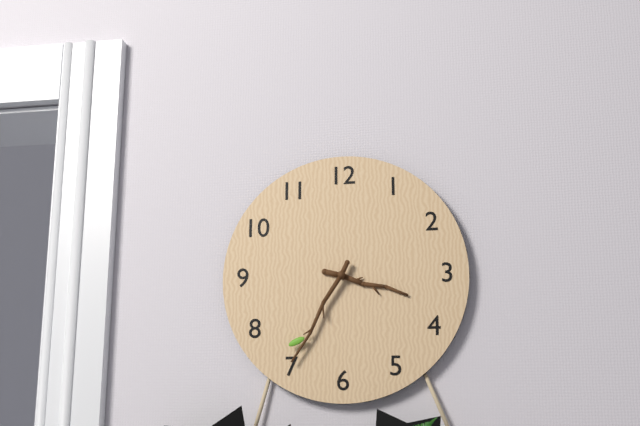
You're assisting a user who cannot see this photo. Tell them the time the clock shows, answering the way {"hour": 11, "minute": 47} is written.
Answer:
{"hour": 3, "minute": 35}
